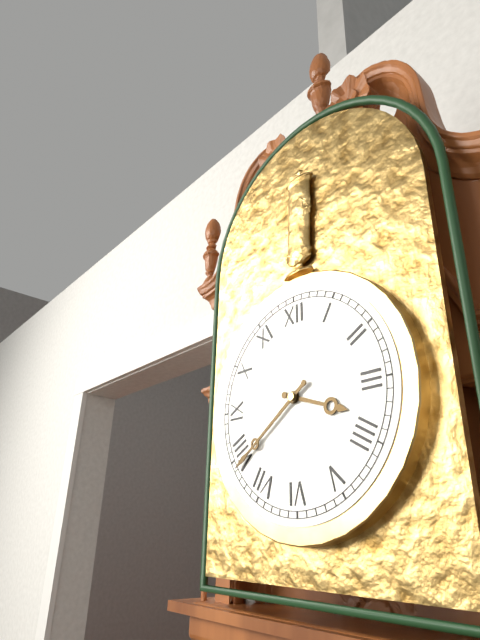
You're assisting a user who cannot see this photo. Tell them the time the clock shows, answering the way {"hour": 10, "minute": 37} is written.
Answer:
{"hour": 3, "minute": 39}
